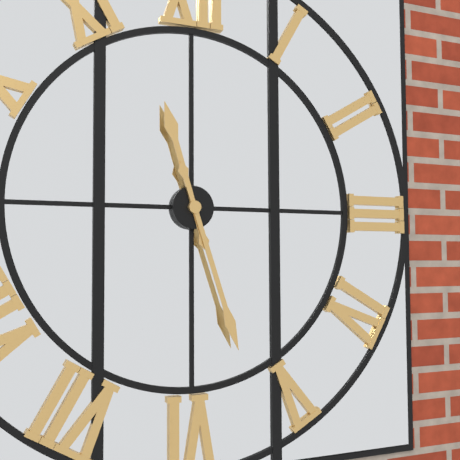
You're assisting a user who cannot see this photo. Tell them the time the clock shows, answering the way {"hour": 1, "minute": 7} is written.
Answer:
{"hour": 11, "minute": 27}
